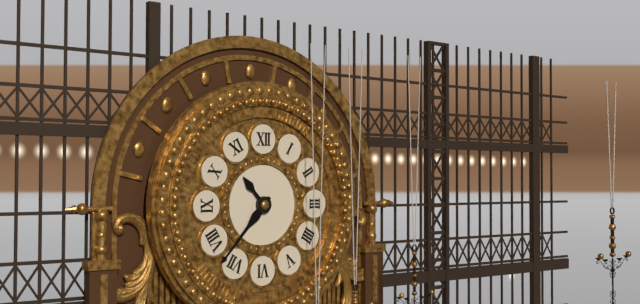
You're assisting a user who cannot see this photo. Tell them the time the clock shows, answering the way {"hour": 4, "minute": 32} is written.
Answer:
{"hour": 10, "minute": 37}
